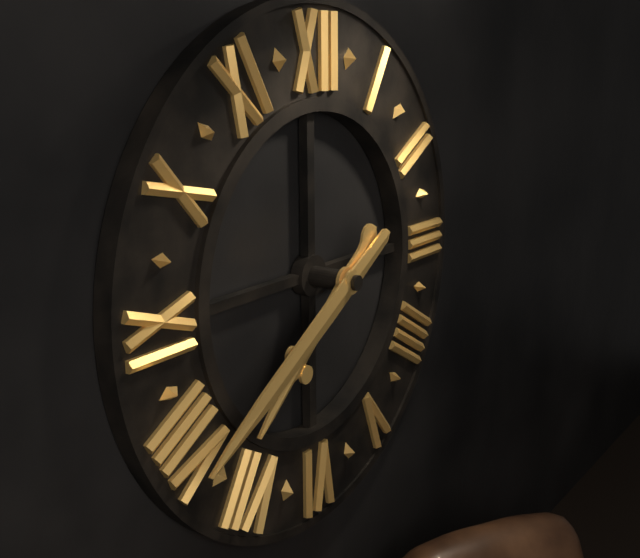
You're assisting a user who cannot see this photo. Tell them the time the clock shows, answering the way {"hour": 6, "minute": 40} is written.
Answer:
{"hour": 7, "minute": 40}
